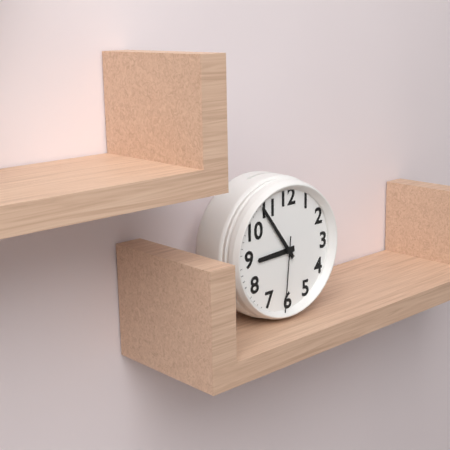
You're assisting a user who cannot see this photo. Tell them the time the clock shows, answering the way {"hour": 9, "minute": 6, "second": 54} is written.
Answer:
{"hour": 8, "minute": 54, "second": 31}
